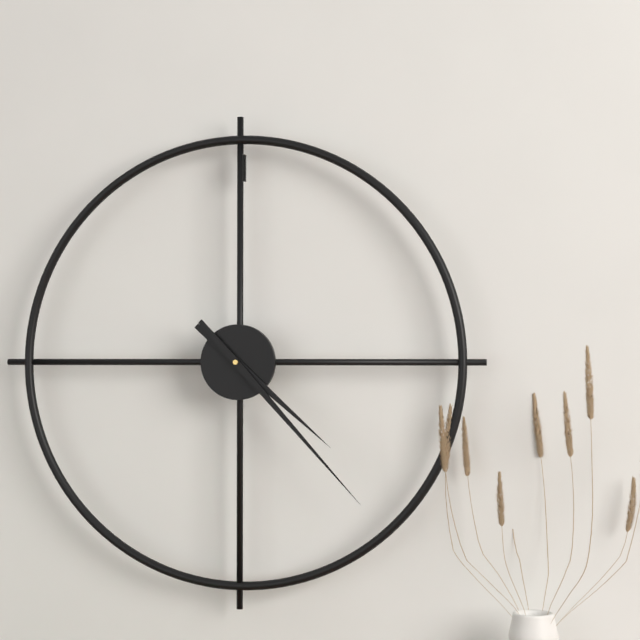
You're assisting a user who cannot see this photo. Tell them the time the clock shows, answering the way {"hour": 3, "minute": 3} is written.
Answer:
{"hour": 4, "minute": 23}
